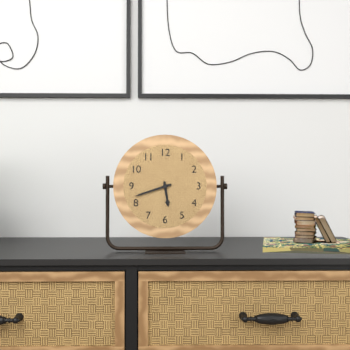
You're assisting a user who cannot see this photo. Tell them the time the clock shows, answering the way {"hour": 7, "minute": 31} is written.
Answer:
{"hour": 5, "minute": 42}
